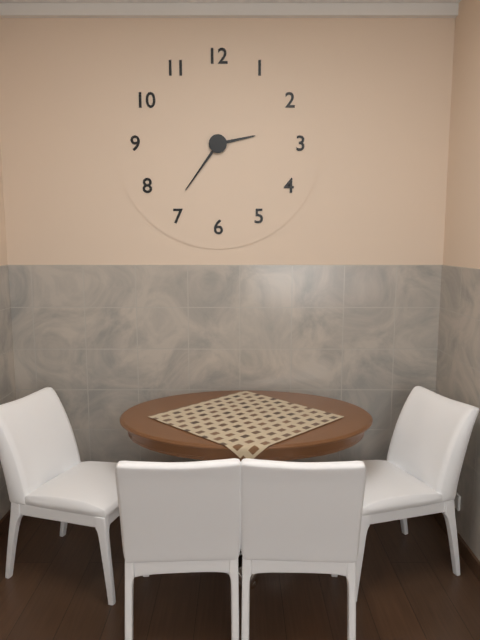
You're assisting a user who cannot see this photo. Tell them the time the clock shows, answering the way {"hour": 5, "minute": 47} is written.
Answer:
{"hour": 2, "minute": 36}
